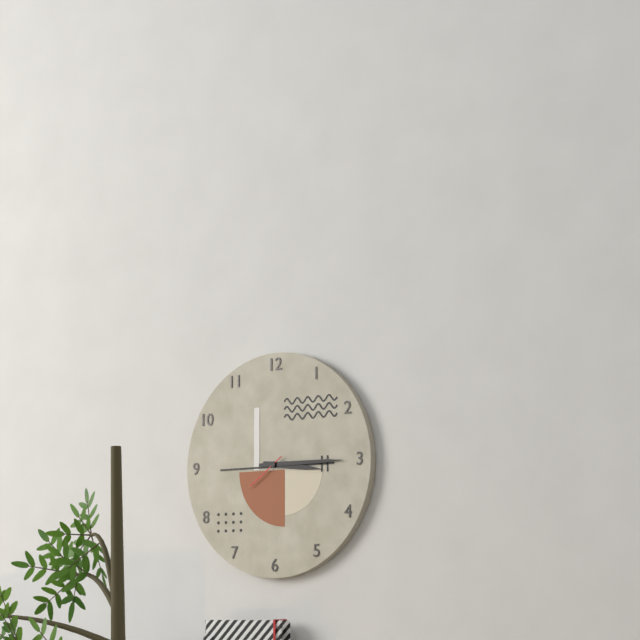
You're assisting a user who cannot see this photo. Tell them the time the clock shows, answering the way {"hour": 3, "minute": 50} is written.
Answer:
{"hour": 3, "minute": 15}
